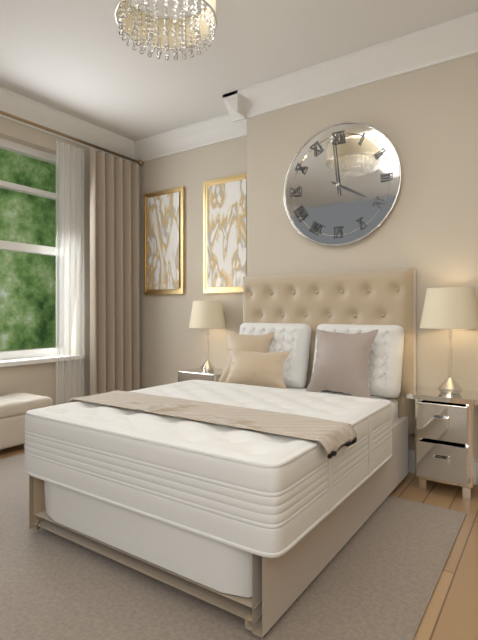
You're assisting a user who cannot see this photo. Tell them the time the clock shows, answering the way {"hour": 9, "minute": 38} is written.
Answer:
{"hour": 3, "minute": 59}
